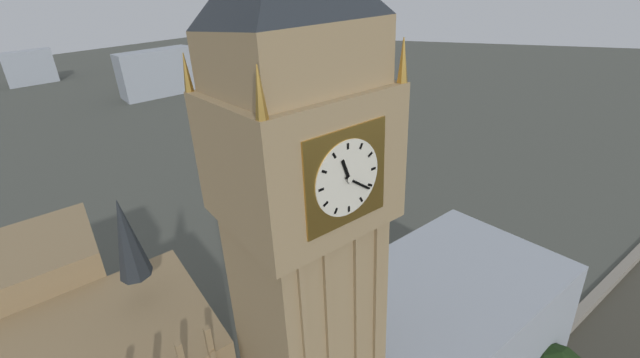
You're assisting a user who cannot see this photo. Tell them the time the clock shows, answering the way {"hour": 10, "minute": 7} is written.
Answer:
{"hour": 11, "minute": 21}
